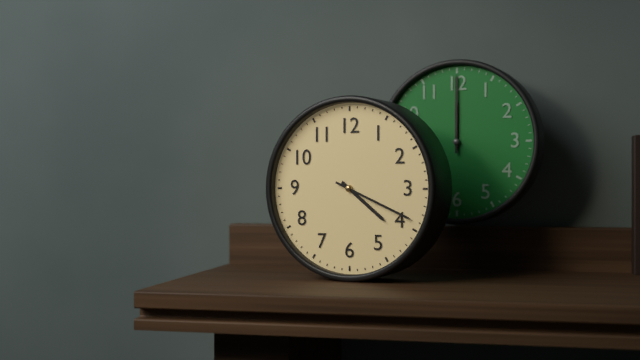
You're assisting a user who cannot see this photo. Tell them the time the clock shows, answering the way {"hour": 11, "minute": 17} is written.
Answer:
{"hour": 4, "minute": 19}
